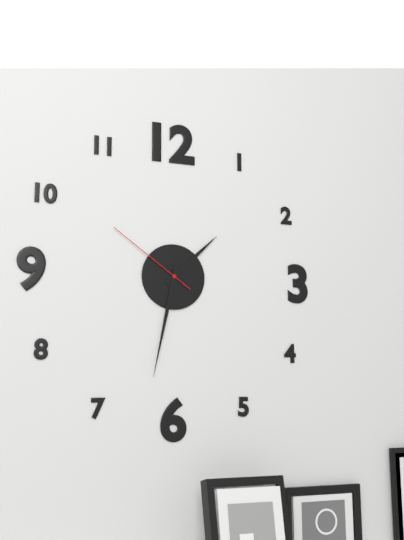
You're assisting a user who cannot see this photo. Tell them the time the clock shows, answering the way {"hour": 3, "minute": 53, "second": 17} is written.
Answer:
{"hour": 1, "minute": 32, "second": 51}
